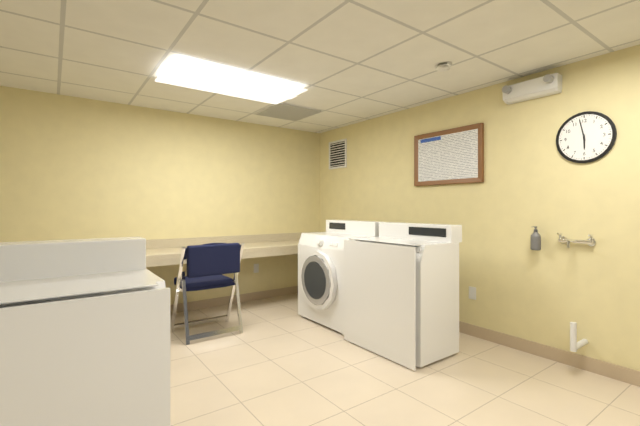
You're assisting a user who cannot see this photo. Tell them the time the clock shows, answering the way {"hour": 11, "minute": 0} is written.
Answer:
{"hour": 5, "minute": 58}
